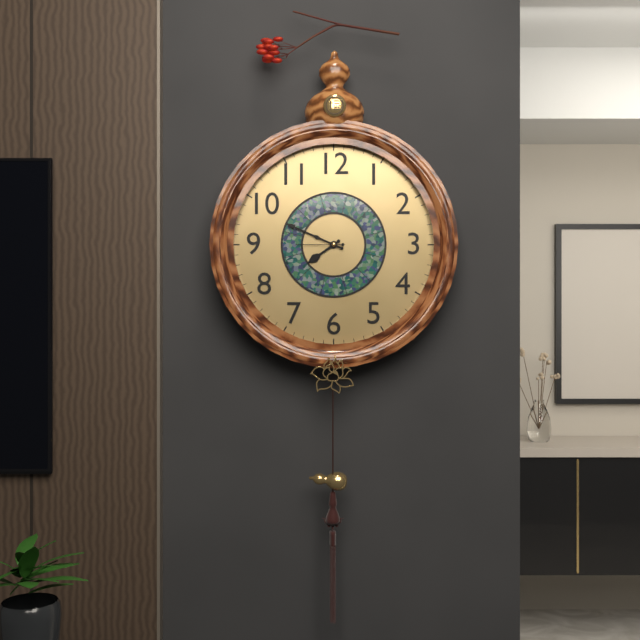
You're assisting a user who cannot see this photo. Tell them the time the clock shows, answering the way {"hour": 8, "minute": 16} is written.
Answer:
{"hour": 7, "minute": 49}
